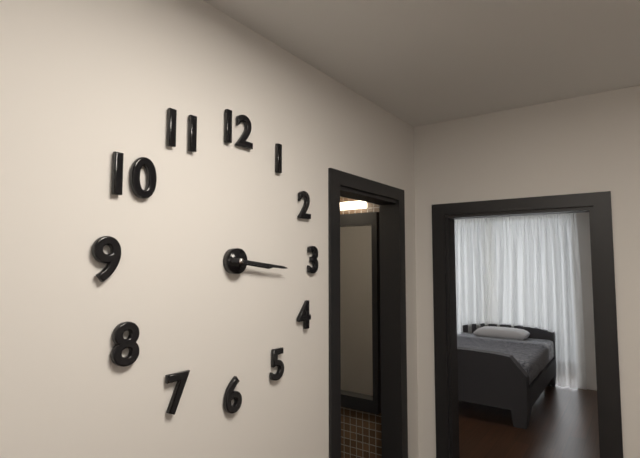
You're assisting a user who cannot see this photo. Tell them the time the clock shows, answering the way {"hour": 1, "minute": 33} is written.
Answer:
{"hour": 3, "minute": 16}
